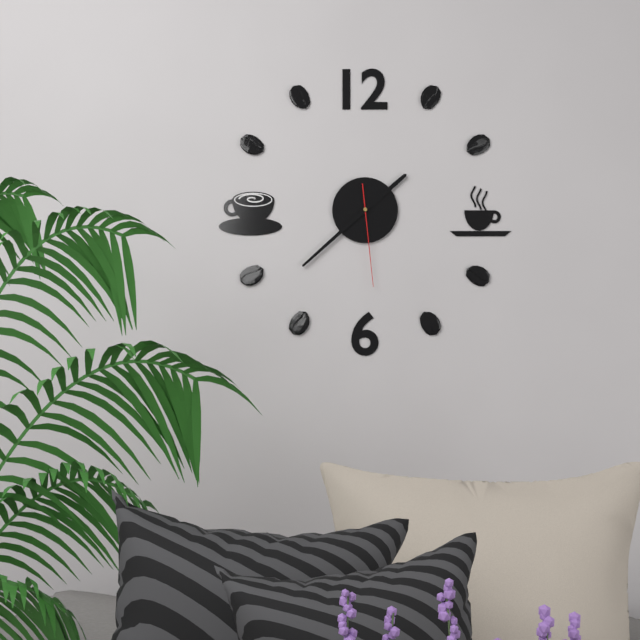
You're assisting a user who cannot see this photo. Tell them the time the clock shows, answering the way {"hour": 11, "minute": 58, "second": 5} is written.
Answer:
{"hour": 1, "minute": 38, "second": 29}
